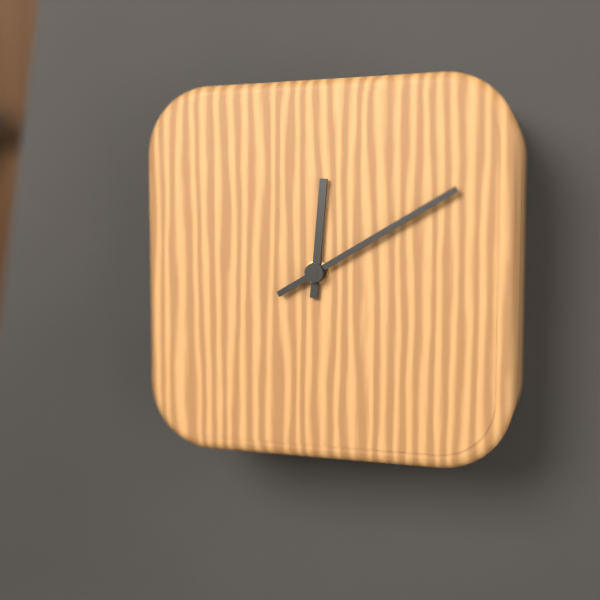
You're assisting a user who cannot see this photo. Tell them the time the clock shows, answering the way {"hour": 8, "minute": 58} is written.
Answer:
{"hour": 12, "minute": 10}
